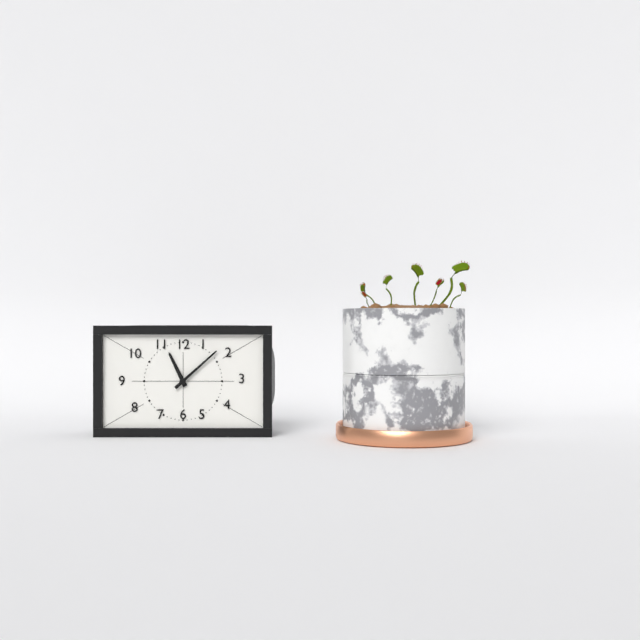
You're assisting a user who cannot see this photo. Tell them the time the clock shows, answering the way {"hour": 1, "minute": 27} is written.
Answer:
{"hour": 11, "minute": 8}
